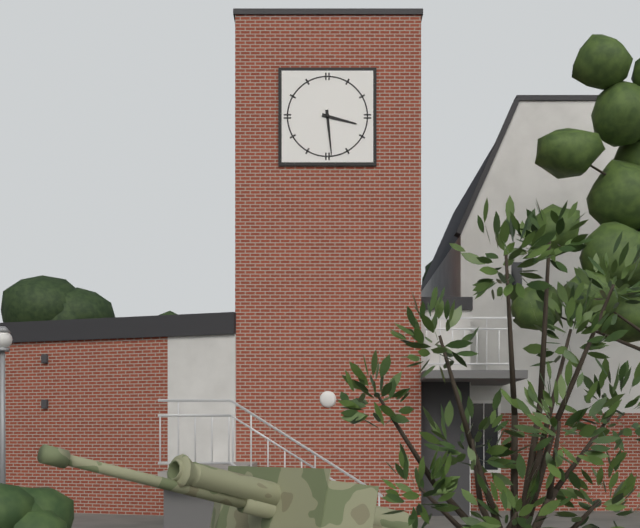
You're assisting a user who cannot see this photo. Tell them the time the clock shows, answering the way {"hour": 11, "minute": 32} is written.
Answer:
{"hour": 3, "minute": 29}
